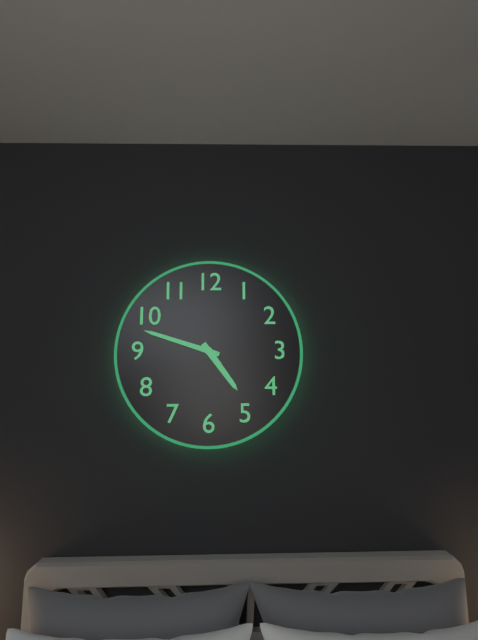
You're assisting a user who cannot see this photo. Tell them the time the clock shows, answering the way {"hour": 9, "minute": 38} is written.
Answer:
{"hour": 4, "minute": 48}
